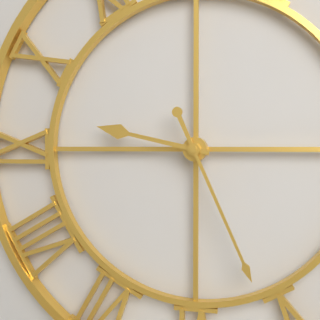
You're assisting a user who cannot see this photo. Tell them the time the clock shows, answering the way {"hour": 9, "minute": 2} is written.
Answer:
{"hour": 9, "minute": 26}
